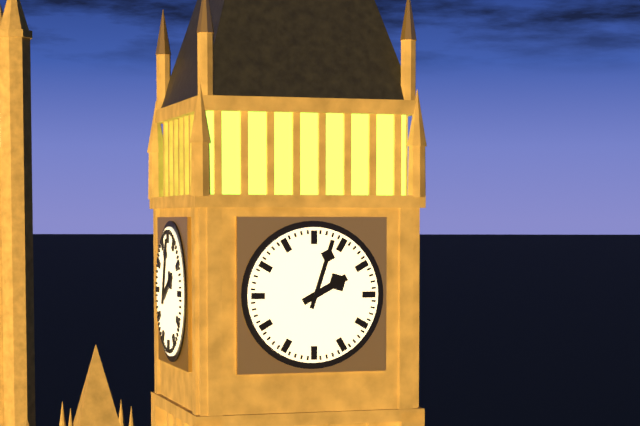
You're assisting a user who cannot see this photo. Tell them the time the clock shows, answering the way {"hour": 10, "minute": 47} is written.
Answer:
{"hour": 2, "minute": 3}
